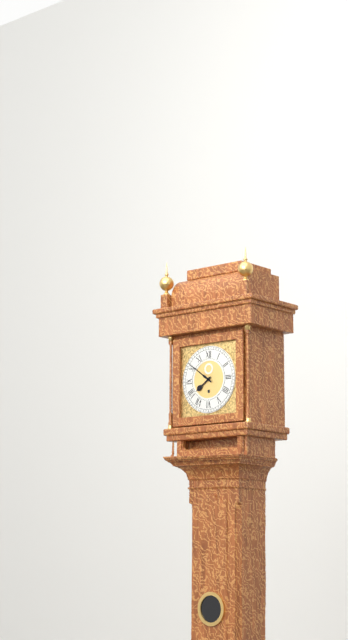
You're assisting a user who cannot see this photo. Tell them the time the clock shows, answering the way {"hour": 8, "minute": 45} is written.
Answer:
{"hour": 7, "minute": 51}
